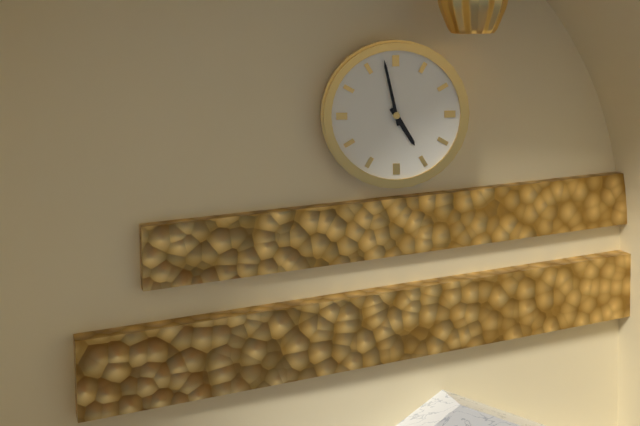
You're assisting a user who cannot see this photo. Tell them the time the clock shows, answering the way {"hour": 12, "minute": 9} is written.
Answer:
{"hour": 4, "minute": 58}
